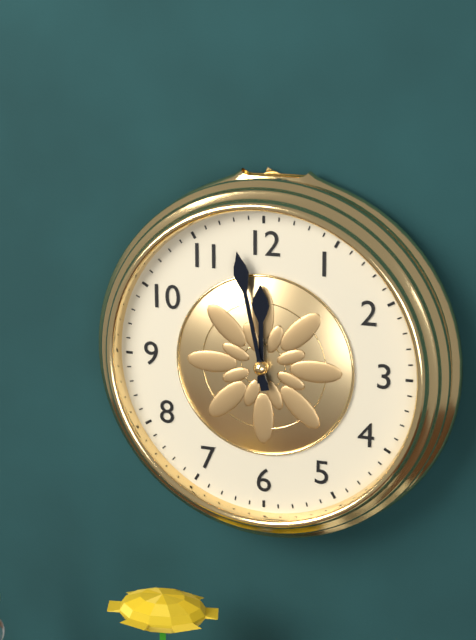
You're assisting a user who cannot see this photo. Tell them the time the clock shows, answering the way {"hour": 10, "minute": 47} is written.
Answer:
{"hour": 11, "minute": 58}
